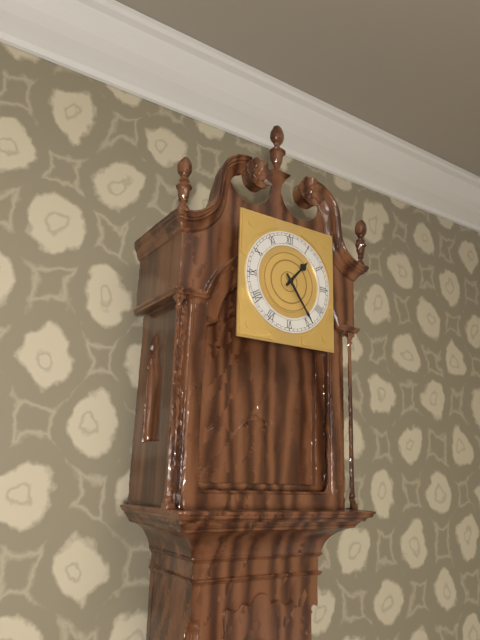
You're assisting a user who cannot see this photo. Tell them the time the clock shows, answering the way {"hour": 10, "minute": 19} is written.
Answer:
{"hour": 1, "minute": 24}
